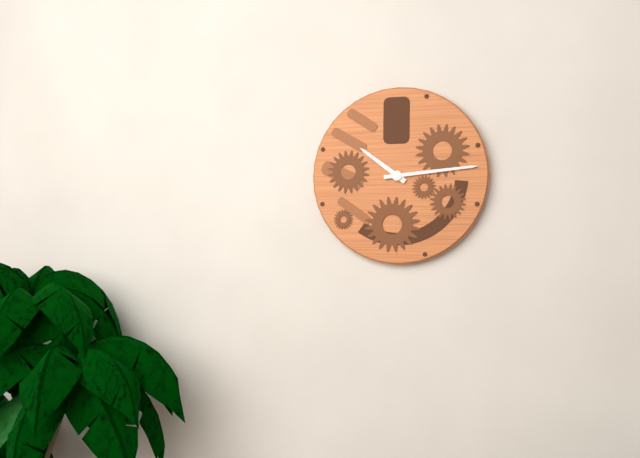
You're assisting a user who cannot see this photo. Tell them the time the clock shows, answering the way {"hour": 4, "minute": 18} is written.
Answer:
{"hour": 10, "minute": 14}
